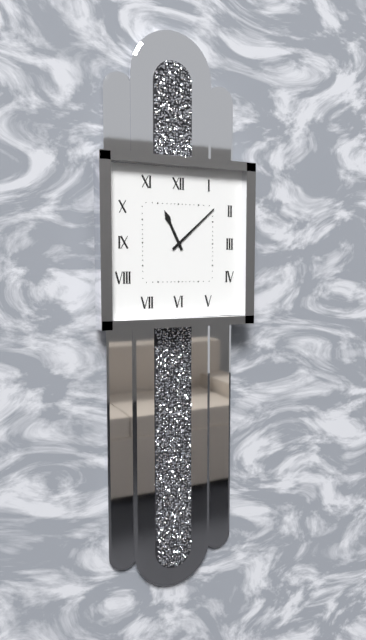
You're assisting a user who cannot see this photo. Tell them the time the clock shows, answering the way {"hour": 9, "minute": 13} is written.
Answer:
{"hour": 11, "minute": 8}
